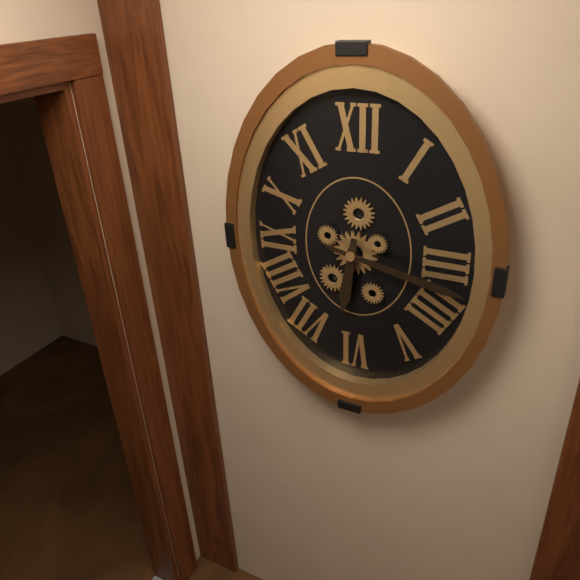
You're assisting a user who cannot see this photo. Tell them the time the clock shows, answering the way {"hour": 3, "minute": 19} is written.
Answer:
{"hour": 6, "minute": 17}
